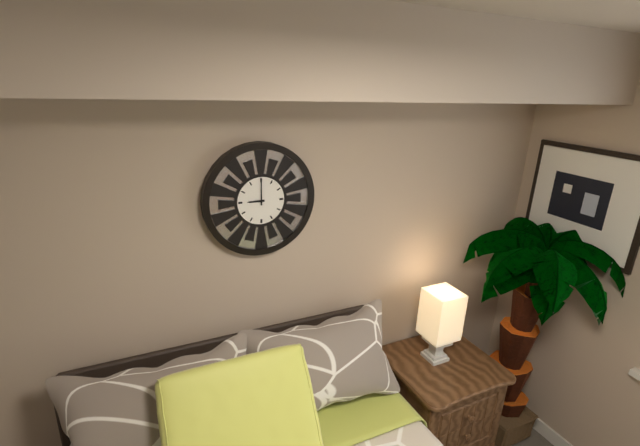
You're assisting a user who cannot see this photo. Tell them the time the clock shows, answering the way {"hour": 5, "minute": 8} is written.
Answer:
{"hour": 9, "minute": 0}
